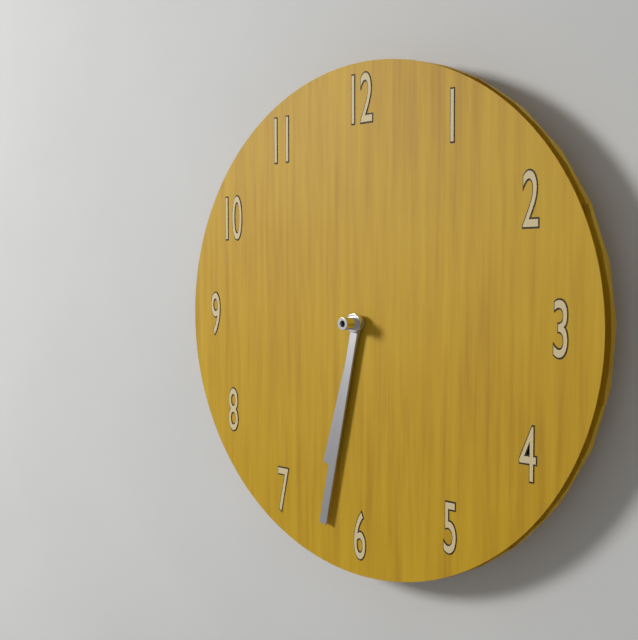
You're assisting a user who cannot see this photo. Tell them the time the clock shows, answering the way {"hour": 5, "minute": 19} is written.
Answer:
{"hour": 6, "minute": 32}
